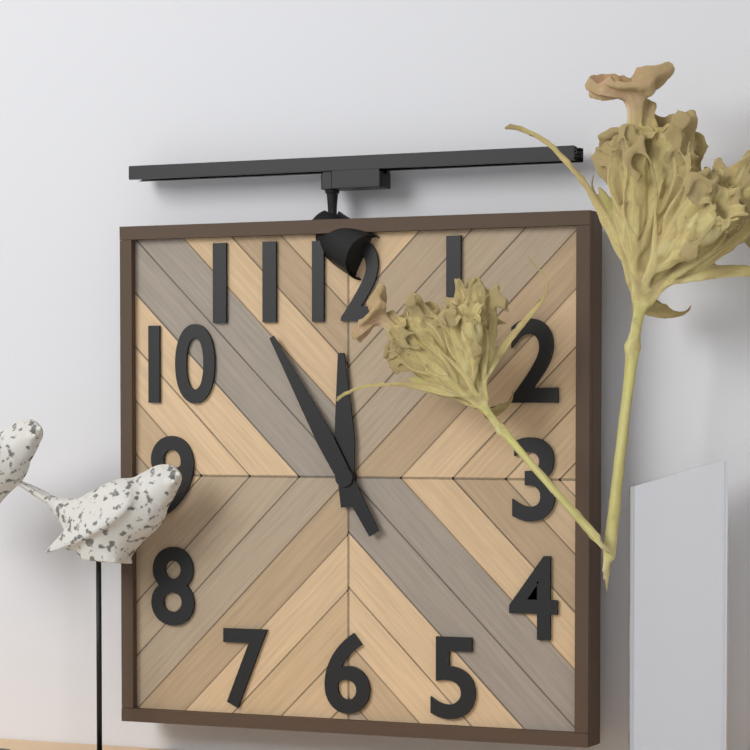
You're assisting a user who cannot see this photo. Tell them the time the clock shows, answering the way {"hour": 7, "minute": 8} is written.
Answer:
{"hour": 11, "minute": 55}
